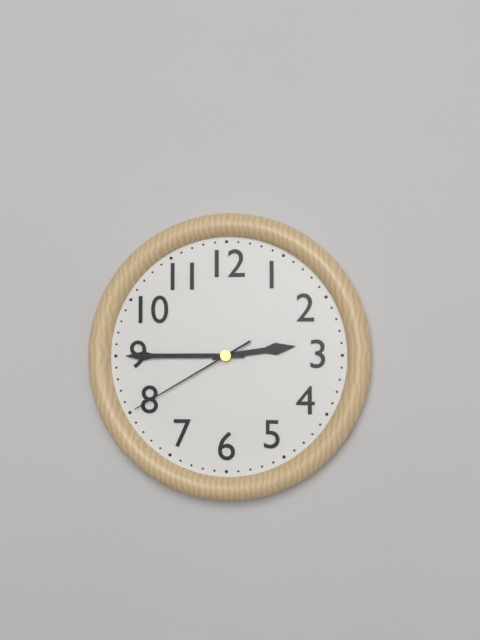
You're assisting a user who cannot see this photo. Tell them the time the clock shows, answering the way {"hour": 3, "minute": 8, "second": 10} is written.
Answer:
{"hour": 2, "minute": 45, "second": 40}
